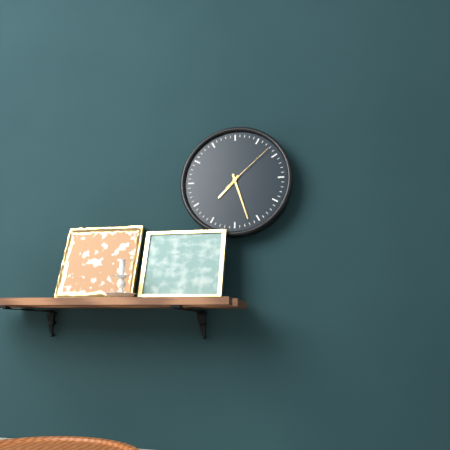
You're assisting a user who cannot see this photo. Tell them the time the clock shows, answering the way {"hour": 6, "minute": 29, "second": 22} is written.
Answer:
{"hour": 7, "minute": 27, "second": 8}
